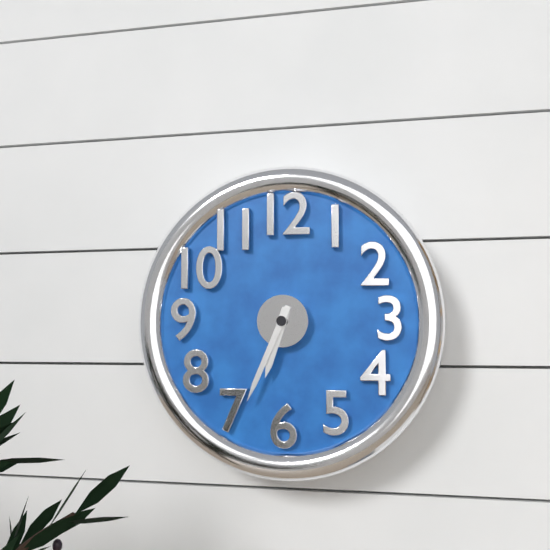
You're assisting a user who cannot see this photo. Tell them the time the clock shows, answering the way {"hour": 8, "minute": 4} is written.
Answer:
{"hour": 6, "minute": 34}
